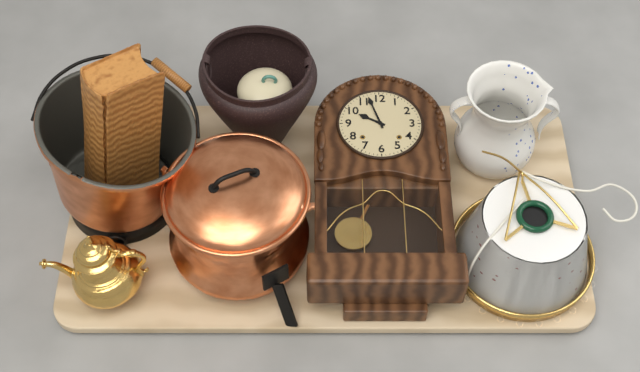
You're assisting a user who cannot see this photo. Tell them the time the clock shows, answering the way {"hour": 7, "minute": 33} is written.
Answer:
{"hour": 9, "minute": 57}
